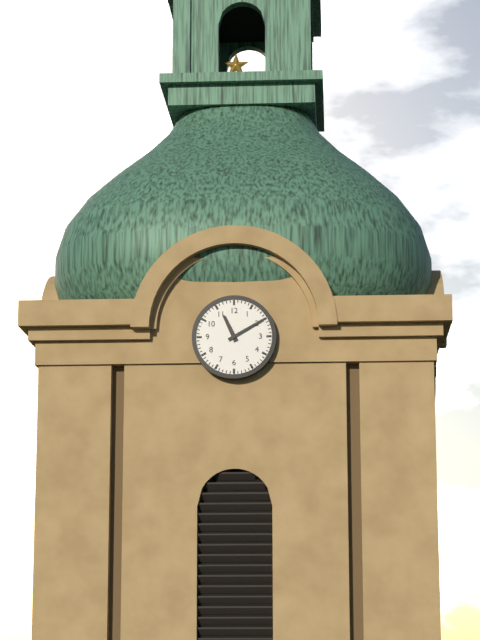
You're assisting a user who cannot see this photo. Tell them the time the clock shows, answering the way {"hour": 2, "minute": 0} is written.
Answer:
{"hour": 11, "minute": 10}
